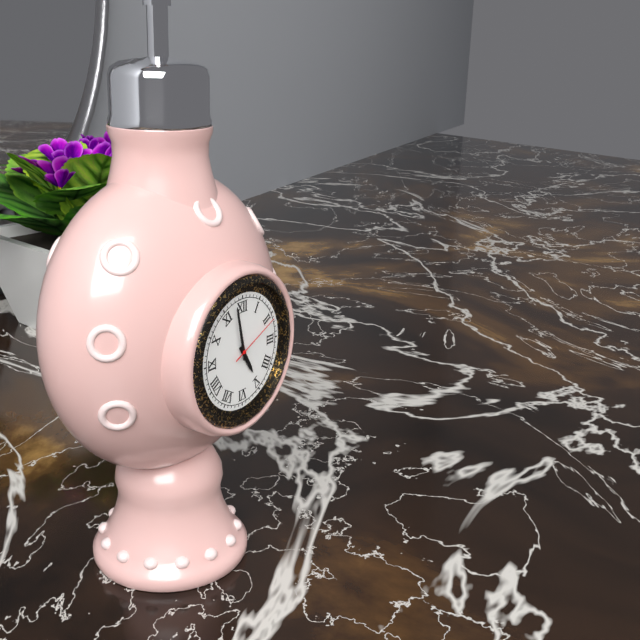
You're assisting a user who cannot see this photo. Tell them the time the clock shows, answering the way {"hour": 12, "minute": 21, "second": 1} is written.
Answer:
{"hour": 4, "minute": 58, "second": 11}
